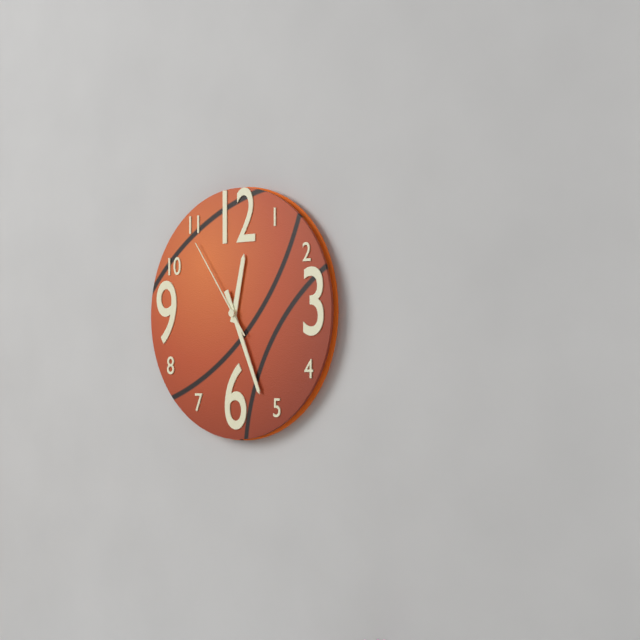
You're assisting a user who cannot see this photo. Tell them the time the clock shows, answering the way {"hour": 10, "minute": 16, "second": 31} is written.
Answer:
{"hour": 12, "minute": 26, "second": 54}
